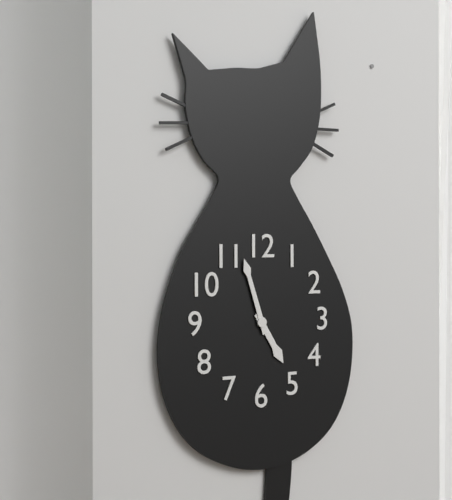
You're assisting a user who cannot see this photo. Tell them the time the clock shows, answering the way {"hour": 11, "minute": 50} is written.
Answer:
{"hour": 4, "minute": 57}
